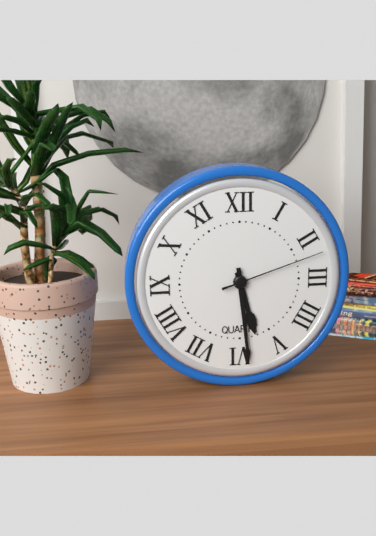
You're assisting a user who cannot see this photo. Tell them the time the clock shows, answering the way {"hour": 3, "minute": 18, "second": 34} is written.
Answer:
{"hour": 5, "minute": 29, "second": 12}
